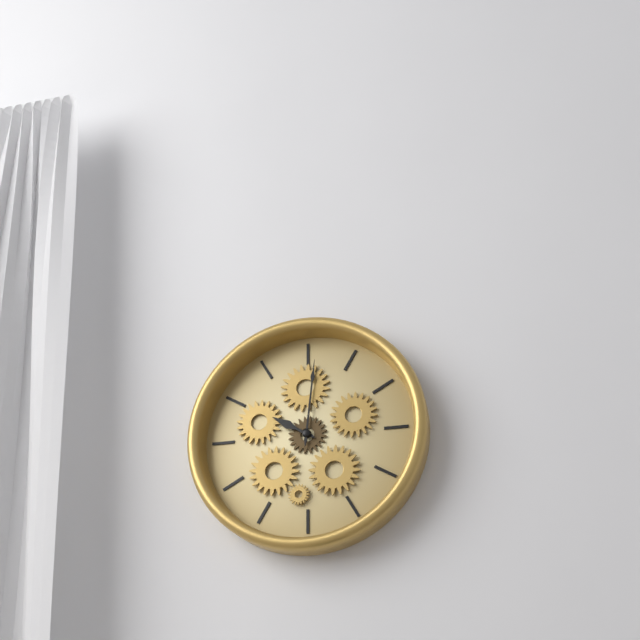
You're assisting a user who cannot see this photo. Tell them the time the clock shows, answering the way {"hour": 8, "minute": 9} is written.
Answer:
{"hour": 10, "minute": 1}
